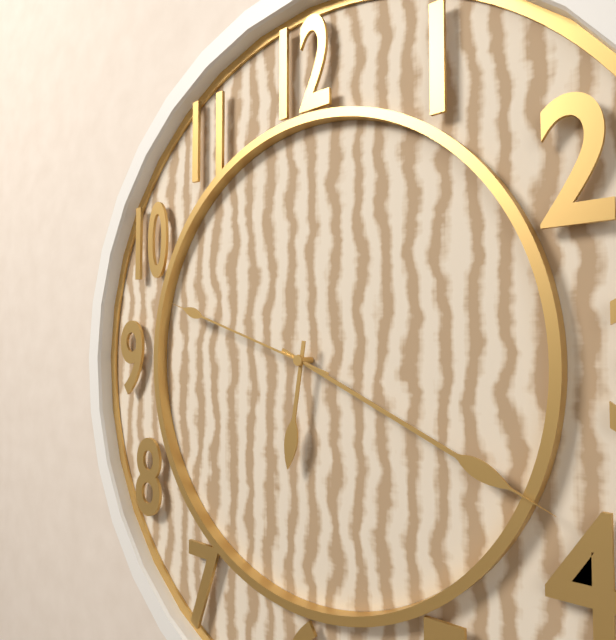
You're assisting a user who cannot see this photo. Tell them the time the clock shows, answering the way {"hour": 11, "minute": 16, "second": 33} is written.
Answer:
{"hour": 6, "minute": 19, "second": 48}
